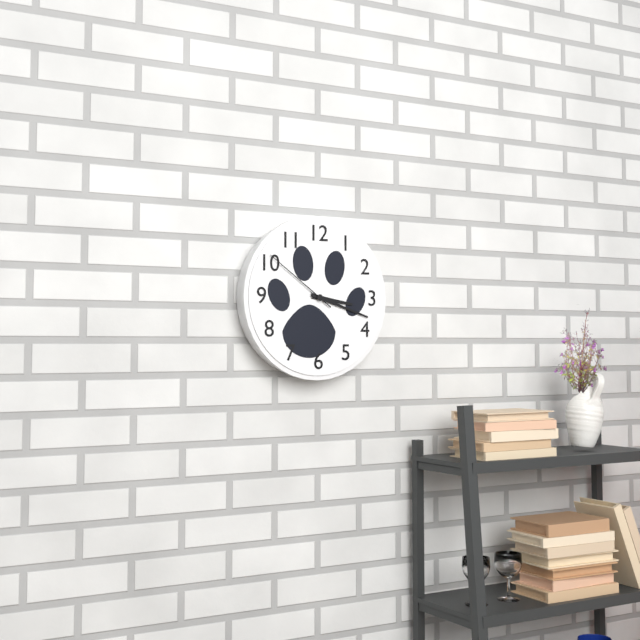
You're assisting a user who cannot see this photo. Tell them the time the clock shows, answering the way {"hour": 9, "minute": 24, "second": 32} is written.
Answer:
{"hour": 3, "minute": 18, "second": 51}
